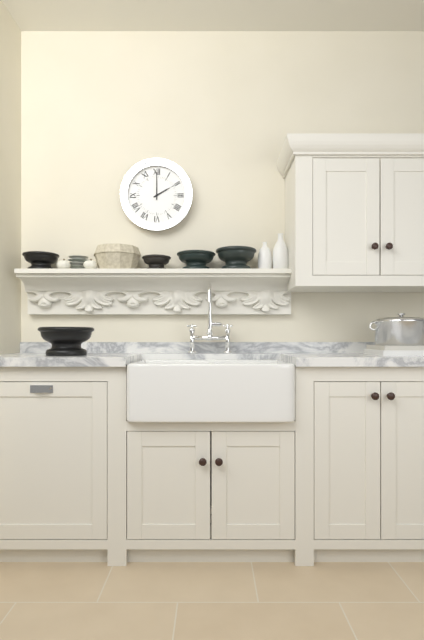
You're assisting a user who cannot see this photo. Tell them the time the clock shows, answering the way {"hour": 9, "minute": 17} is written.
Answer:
{"hour": 2, "minute": 0}
